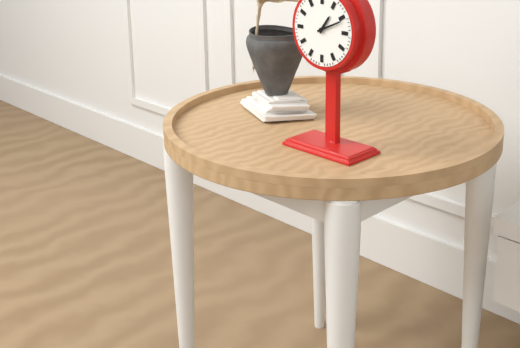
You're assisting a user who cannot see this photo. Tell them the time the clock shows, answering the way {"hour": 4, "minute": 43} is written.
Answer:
{"hour": 1, "minute": 11}
